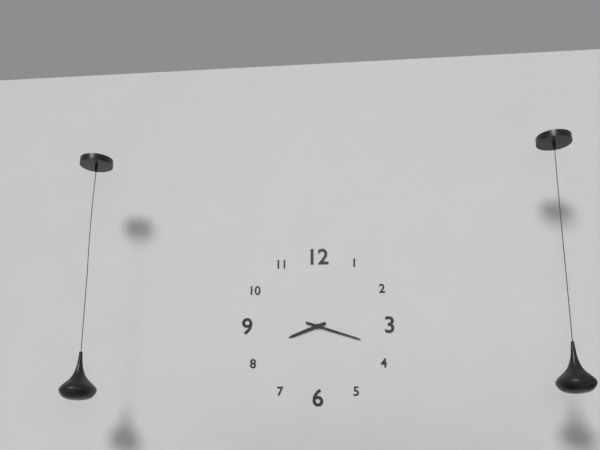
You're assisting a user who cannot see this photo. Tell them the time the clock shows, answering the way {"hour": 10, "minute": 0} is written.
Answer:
{"hour": 8, "minute": 18}
